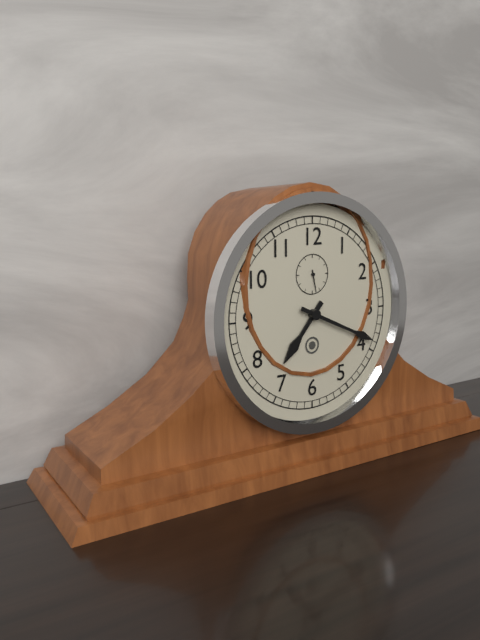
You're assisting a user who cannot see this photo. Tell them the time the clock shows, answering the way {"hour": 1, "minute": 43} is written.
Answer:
{"hour": 7, "minute": 19}
